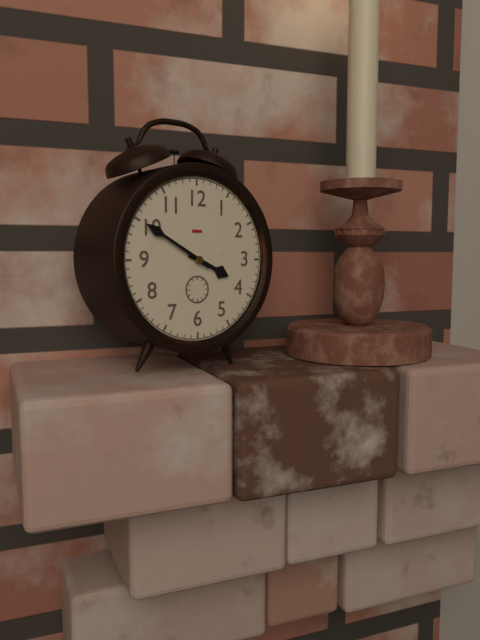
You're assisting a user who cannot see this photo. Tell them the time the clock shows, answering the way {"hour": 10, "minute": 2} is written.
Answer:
{"hour": 3, "minute": 50}
